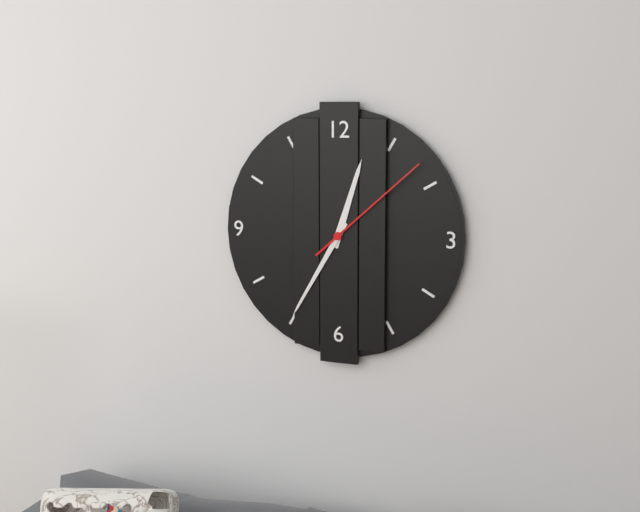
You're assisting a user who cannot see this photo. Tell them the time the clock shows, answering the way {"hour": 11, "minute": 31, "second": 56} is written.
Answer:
{"hour": 12, "minute": 35, "second": 8}
